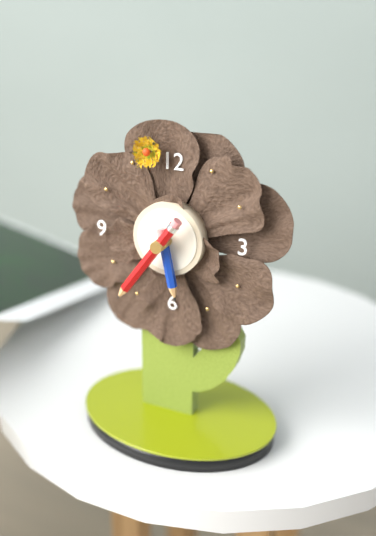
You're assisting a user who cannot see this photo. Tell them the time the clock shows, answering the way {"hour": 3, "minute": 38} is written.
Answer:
{"hour": 5, "minute": 36}
